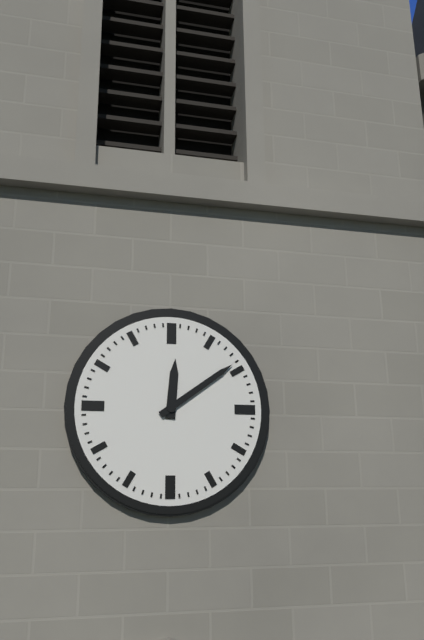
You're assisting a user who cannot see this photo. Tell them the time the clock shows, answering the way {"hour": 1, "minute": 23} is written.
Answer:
{"hour": 12, "minute": 9}
